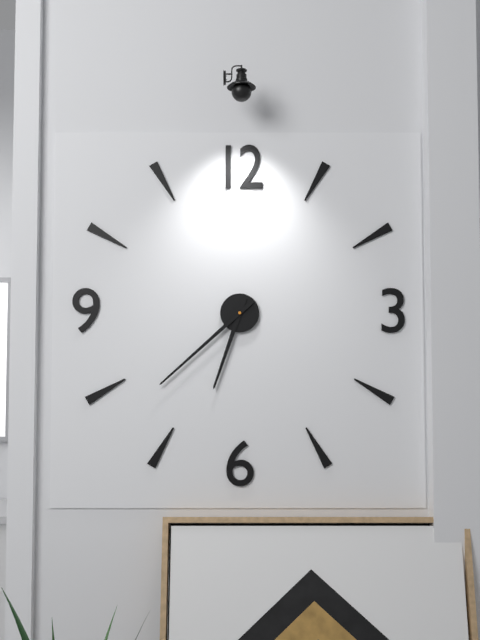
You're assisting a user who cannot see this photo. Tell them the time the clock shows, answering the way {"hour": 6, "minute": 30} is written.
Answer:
{"hour": 6, "minute": 38}
